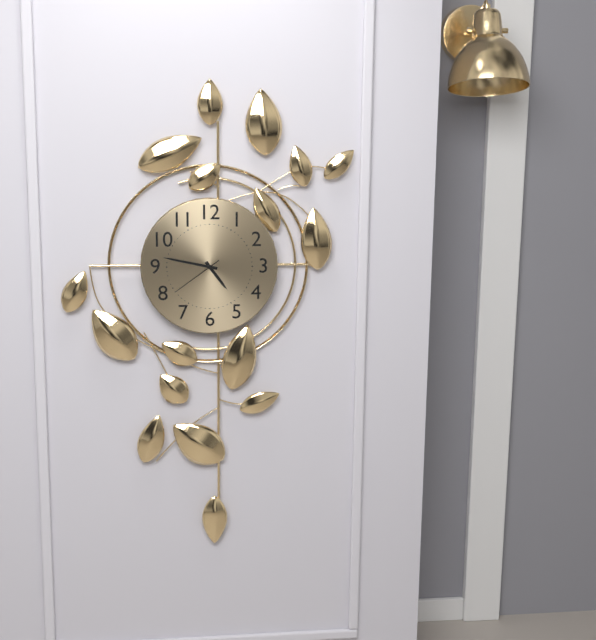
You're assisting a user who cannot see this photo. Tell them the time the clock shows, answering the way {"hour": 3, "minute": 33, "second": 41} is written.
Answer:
{"hour": 4, "minute": 47, "second": 39}
